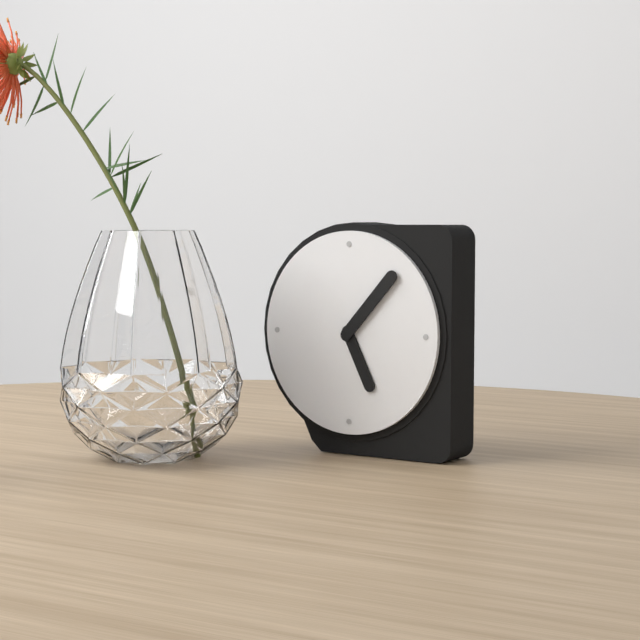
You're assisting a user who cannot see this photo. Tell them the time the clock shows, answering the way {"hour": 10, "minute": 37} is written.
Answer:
{"hour": 5, "minute": 7}
